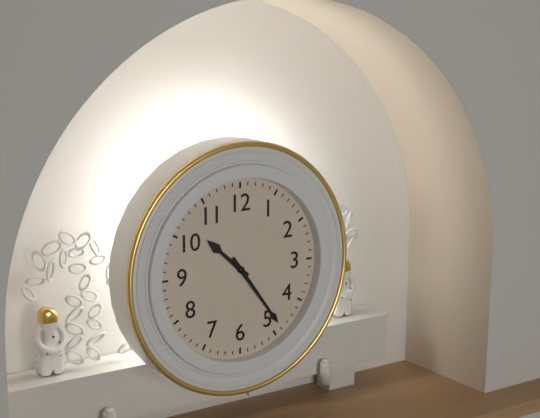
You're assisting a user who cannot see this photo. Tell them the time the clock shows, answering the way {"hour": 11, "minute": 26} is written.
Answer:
{"hour": 10, "minute": 24}
